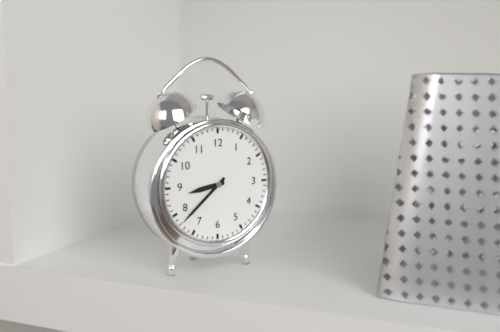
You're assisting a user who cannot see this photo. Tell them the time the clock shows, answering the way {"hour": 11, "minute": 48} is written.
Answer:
{"hour": 8, "minute": 38}
